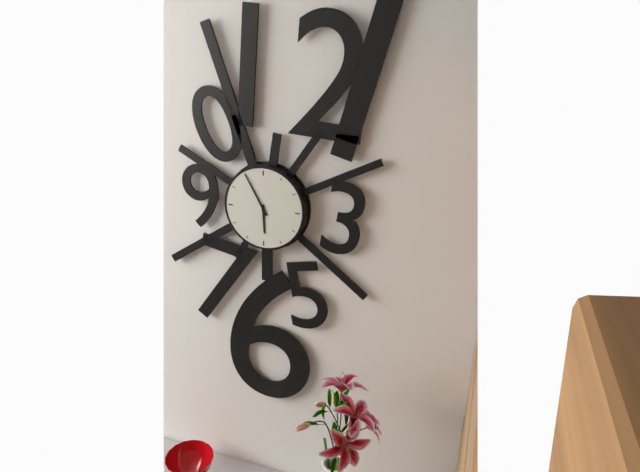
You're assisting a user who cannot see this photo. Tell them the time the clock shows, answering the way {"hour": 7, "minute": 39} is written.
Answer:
{"hour": 5, "minute": 55}
